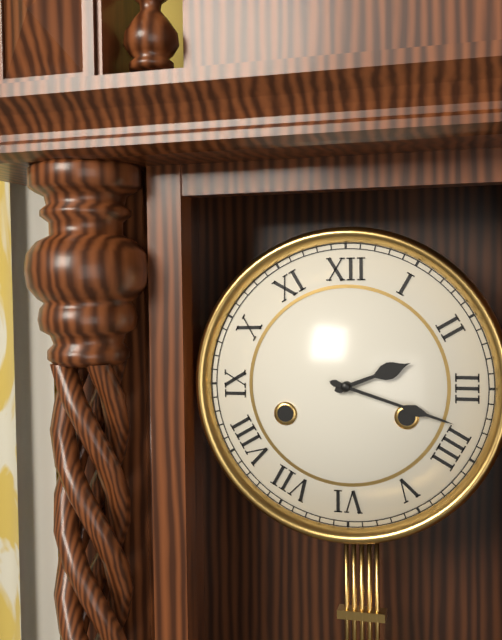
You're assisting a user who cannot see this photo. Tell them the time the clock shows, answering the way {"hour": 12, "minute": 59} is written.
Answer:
{"hour": 2, "minute": 18}
